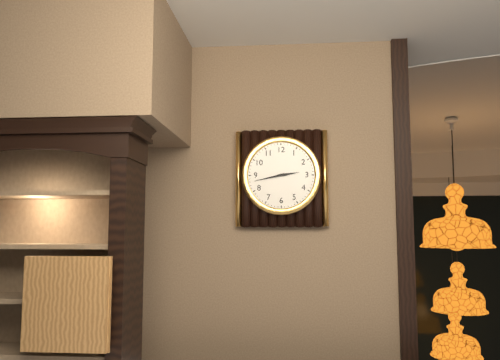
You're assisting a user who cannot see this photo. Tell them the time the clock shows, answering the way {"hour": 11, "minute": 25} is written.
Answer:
{"hour": 2, "minute": 43}
